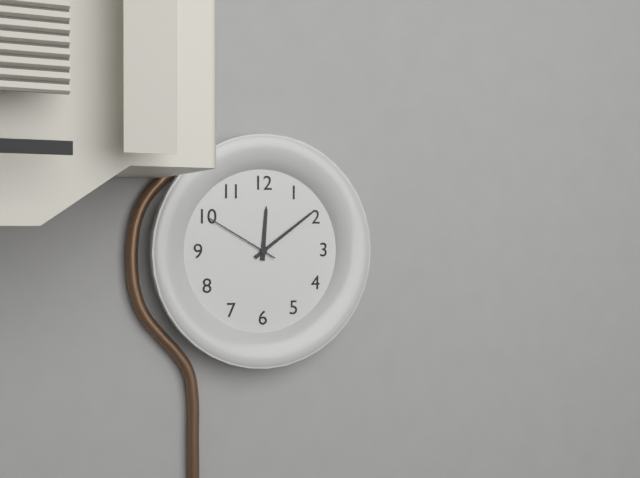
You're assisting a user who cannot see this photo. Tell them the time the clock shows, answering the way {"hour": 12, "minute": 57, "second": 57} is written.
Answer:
{"hour": 12, "minute": 9, "second": 50}
